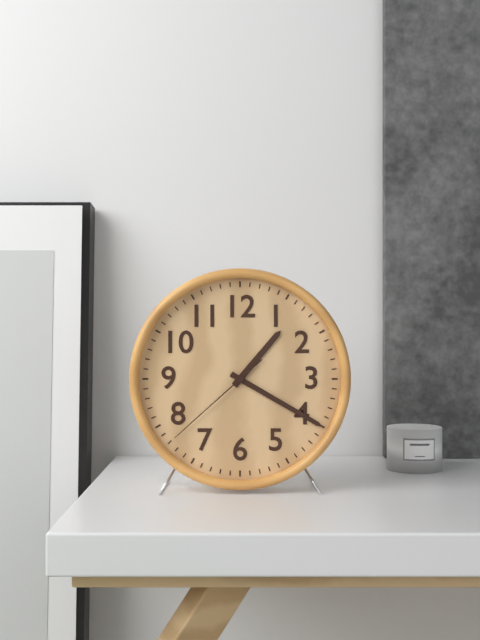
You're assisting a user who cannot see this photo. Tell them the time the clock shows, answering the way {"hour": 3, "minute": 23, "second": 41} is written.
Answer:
{"hour": 1, "minute": 20, "second": 38}
